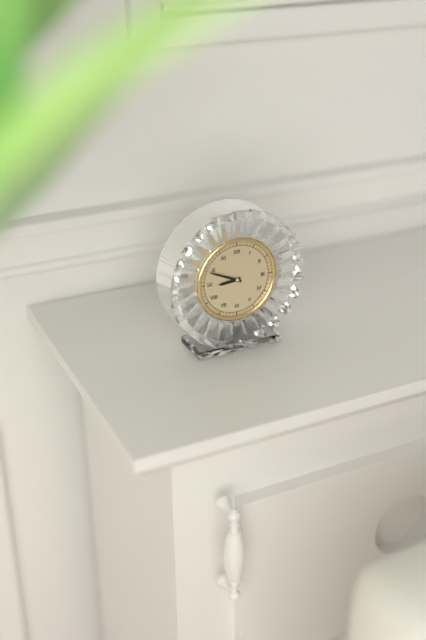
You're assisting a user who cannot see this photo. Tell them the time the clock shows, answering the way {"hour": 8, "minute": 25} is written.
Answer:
{"hour": 8, "minute": 49}
